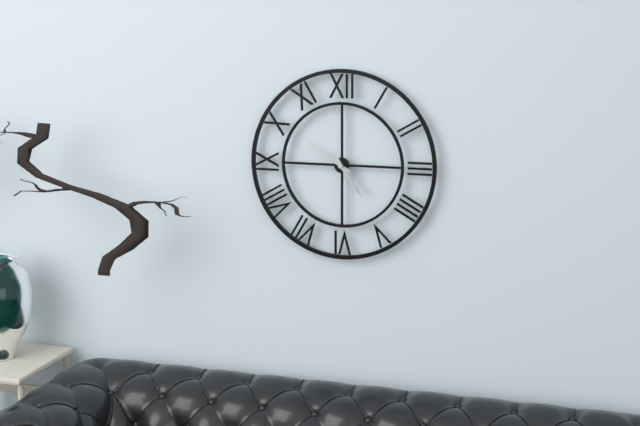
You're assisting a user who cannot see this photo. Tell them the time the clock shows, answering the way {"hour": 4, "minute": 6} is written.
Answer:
{"hour": 4, "minute": 50}
